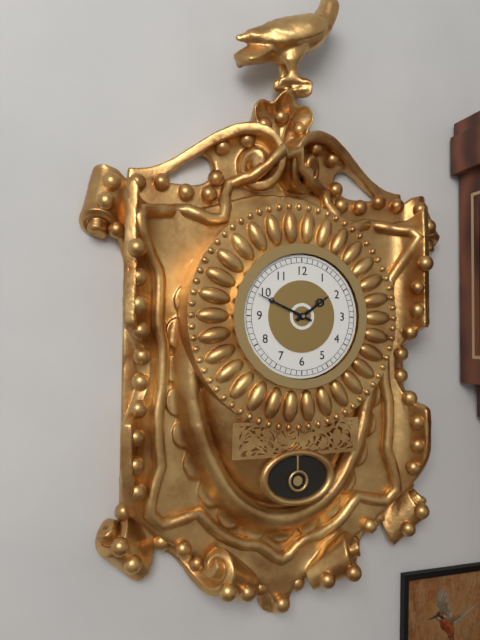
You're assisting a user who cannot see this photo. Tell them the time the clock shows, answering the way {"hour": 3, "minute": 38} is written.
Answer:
{"hour": 1, "minute": 49}
